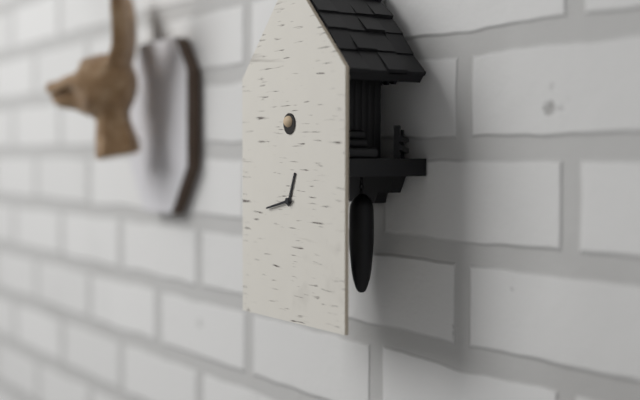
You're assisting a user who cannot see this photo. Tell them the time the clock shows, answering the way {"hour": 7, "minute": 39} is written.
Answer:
{"hour": 12, "minute": 43}
